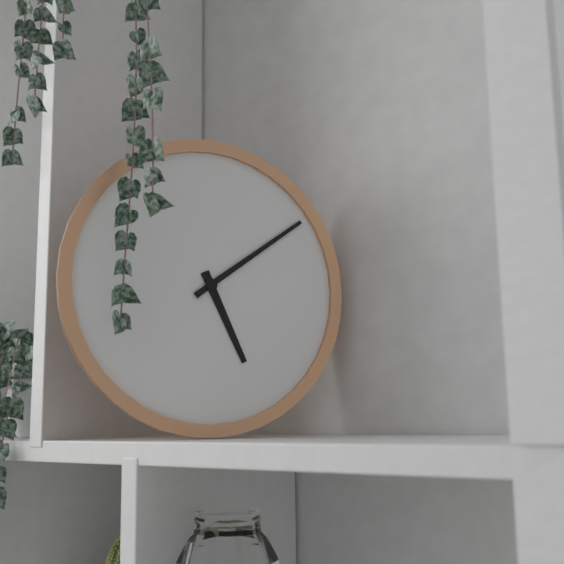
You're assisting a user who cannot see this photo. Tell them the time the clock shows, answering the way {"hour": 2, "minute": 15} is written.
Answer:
{"hour": 5, "minute": 9}
